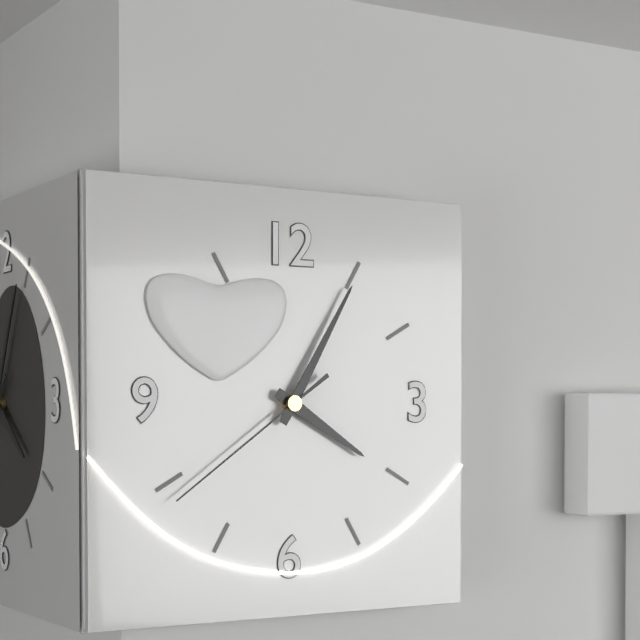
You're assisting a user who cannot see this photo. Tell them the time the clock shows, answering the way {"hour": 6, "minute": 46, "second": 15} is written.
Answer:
{"hour": 4, "minute": 5, "second": 39}
